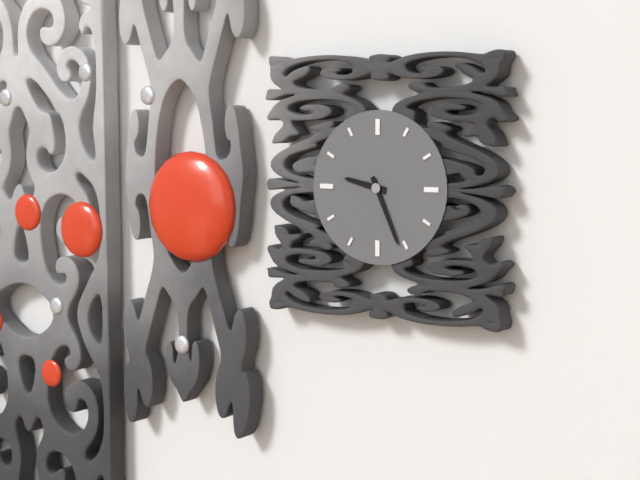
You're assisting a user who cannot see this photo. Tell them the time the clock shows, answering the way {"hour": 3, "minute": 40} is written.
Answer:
{"hour": 9, "minute": 26}
